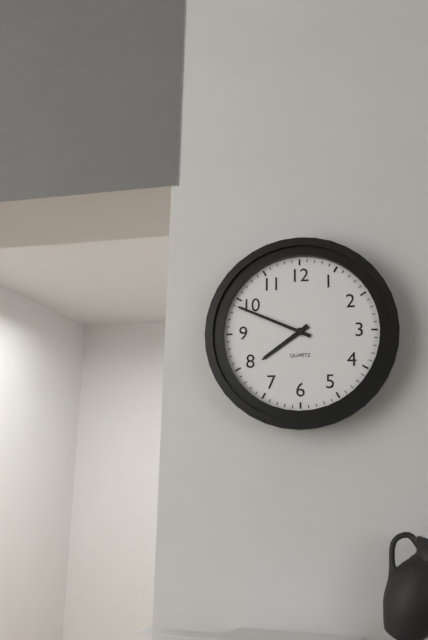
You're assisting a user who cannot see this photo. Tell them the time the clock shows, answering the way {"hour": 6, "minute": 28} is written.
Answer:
{"hour": 7, "minute": 49}
